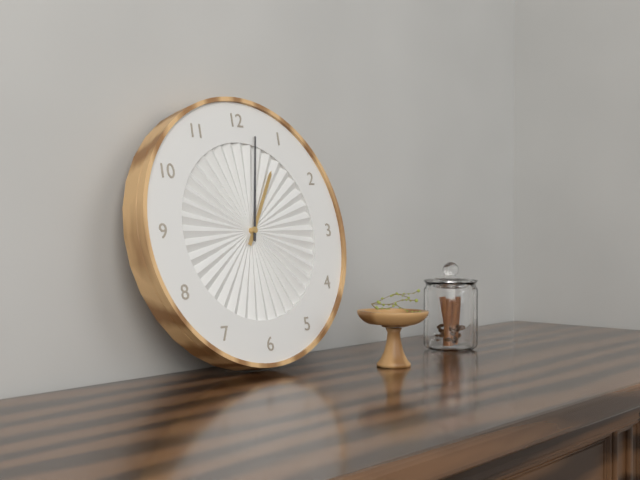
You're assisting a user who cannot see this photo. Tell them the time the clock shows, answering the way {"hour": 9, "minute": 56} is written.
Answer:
{"hour": 1, "minute": 2}
